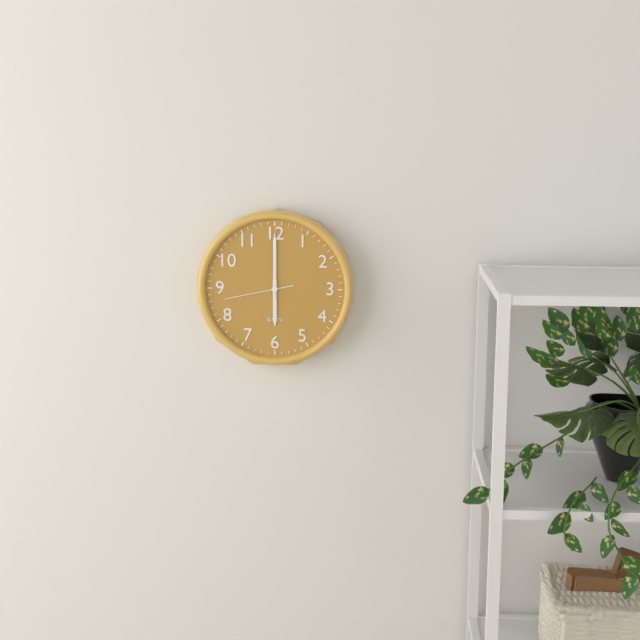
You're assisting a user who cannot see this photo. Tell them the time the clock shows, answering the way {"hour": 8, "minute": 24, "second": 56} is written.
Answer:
{"hour": 6, "minute": 0, "second": 43}
